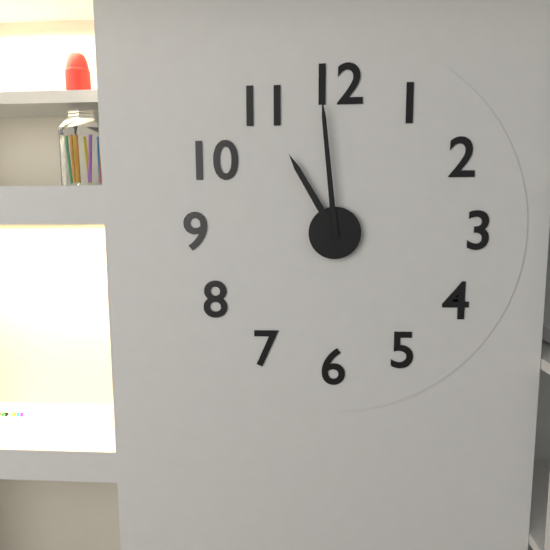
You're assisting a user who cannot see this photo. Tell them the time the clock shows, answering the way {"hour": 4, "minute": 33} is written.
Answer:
{"hour": 10, "minute": 59}
